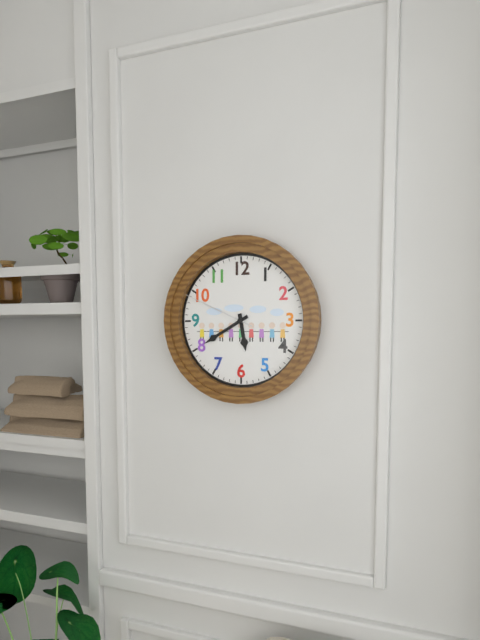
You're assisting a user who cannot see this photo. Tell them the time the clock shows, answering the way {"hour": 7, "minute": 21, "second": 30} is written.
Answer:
{"hour": 5, "minute": 40, "second": 49}
